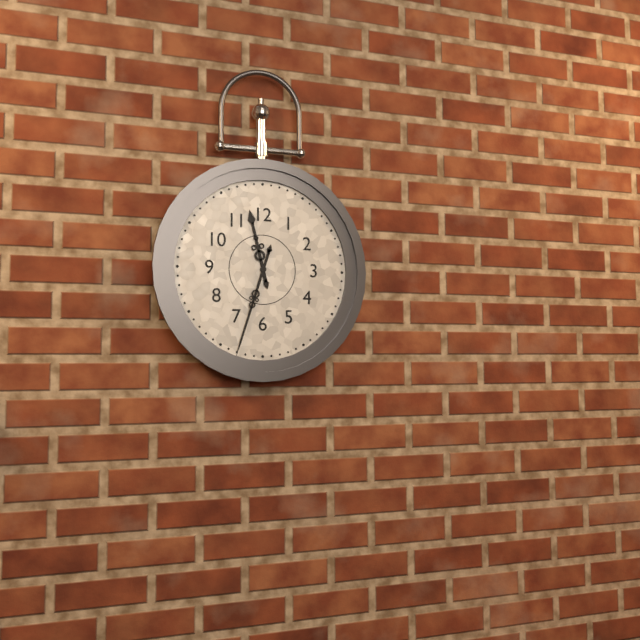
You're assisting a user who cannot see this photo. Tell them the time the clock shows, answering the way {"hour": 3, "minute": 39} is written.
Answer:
{"hour": 11, "minute": 33}
